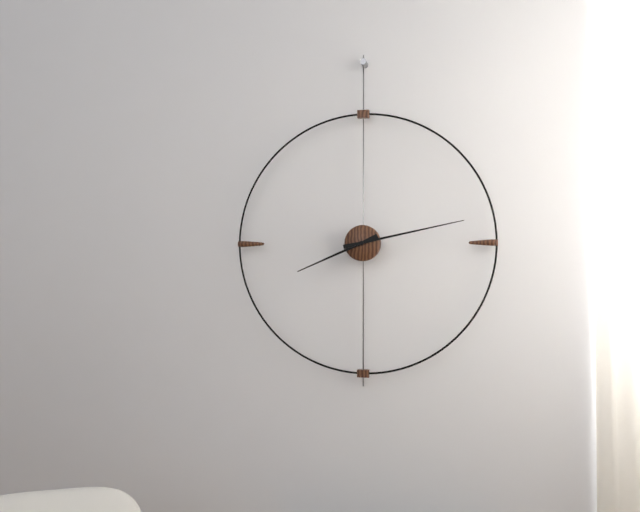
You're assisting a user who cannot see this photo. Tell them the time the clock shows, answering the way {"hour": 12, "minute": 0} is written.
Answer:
{"hour": 8, "minute": 13}
